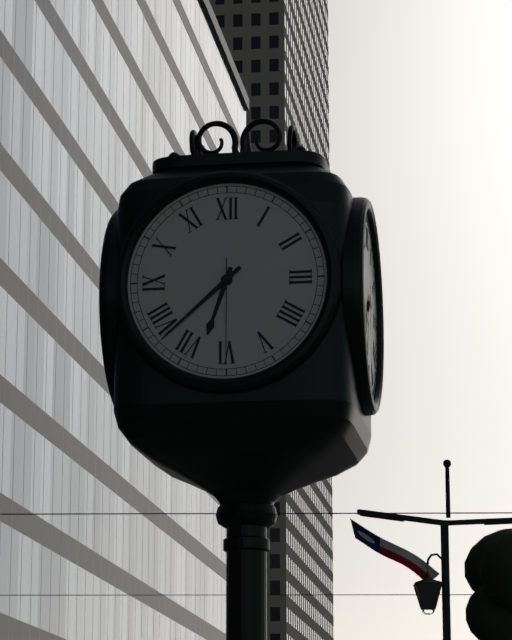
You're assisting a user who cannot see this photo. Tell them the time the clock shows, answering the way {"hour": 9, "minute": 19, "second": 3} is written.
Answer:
{"hour": 6, "minute": 38, "second": 30}
